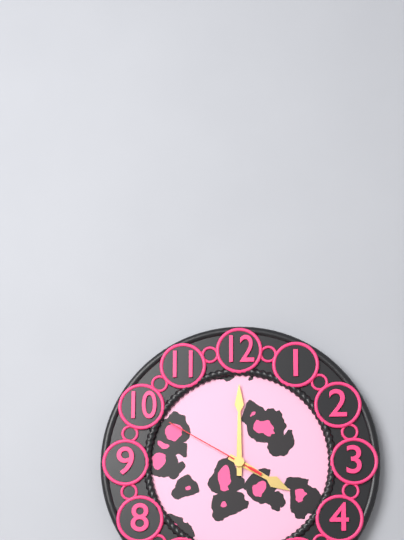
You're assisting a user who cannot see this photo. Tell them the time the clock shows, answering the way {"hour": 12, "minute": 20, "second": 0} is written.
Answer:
{"hour": 4, "minute": 0, "second": 50}
